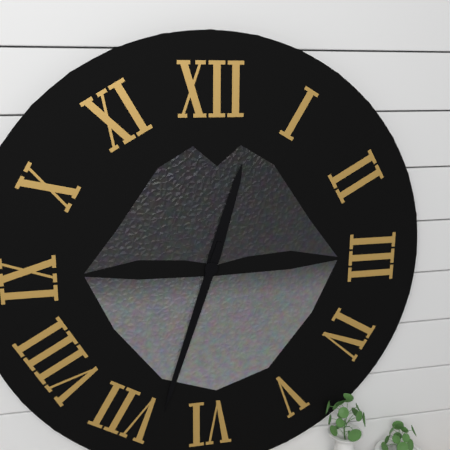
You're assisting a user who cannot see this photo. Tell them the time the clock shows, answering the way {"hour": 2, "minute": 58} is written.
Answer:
{"hour": 12, "minute": 33}
